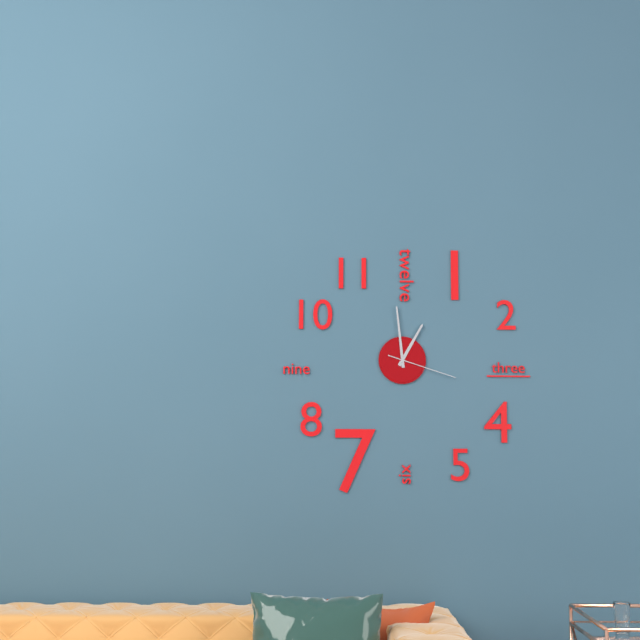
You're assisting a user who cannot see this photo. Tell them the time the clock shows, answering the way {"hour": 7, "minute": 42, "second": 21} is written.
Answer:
{"hour": 12, "minute": 59, "second": 18}
